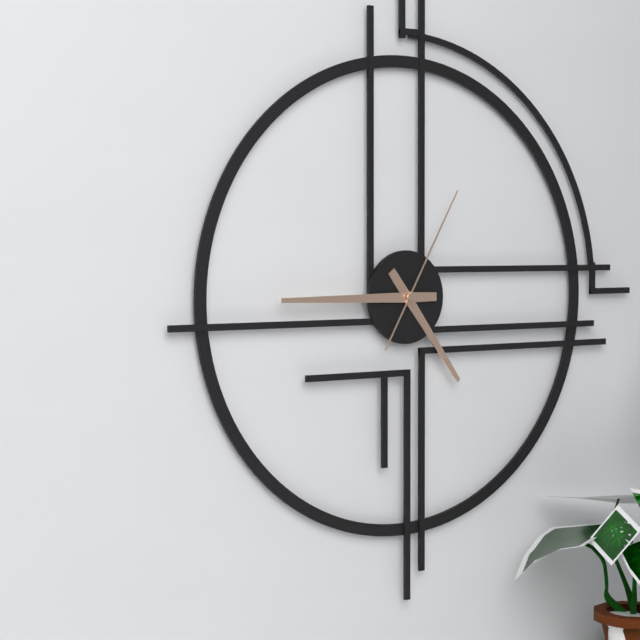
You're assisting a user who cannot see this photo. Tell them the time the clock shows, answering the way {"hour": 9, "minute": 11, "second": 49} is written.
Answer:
{"hour": 4, "minute": 45, "second": 5}
